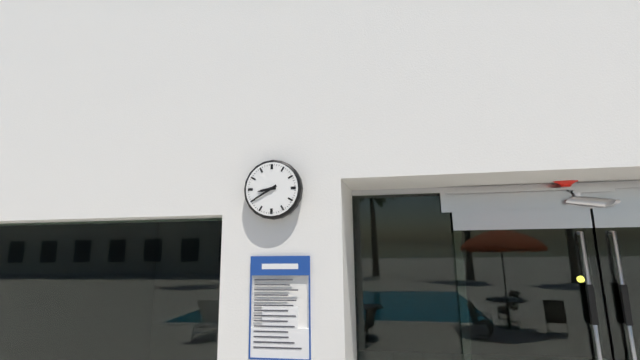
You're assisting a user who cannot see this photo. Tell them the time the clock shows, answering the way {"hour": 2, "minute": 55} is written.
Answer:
{"hour": 8, "minute": 40}
